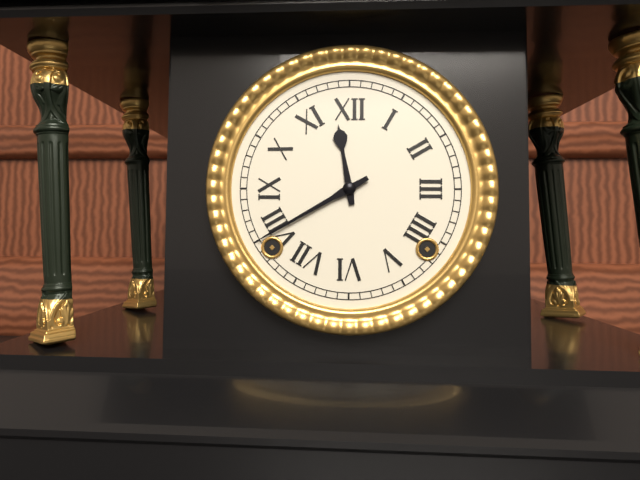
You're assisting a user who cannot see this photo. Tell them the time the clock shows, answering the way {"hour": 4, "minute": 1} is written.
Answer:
{"hour": 11, "minute": 40}
